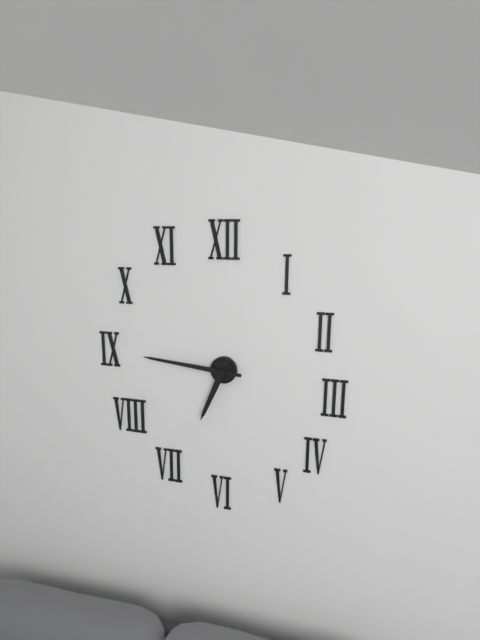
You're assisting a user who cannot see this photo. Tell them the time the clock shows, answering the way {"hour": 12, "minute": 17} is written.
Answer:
{"hour": 6, "minute": 46}
